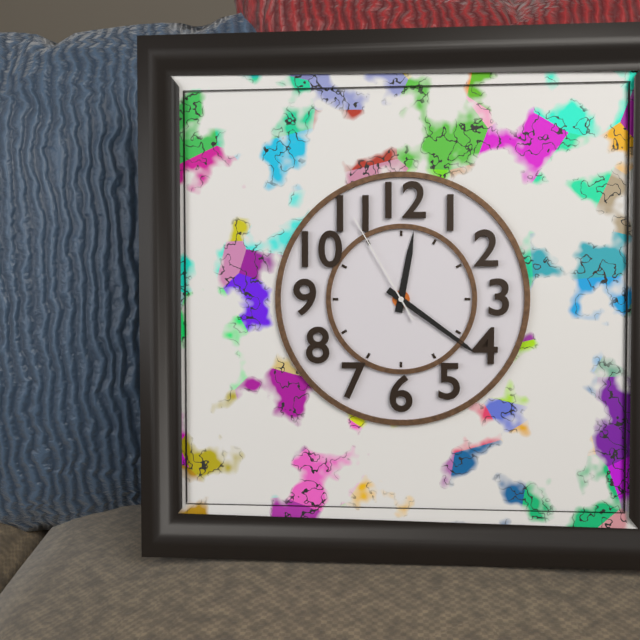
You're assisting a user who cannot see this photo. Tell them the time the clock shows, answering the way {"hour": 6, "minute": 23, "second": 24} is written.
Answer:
{"hour": 12, "minute": 21, "second": 55}
